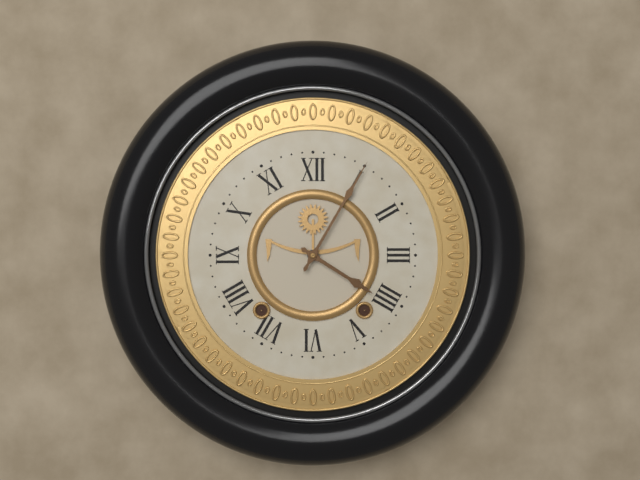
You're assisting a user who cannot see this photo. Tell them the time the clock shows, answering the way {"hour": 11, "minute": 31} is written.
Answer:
{"hour": 4, "minute": 5}
